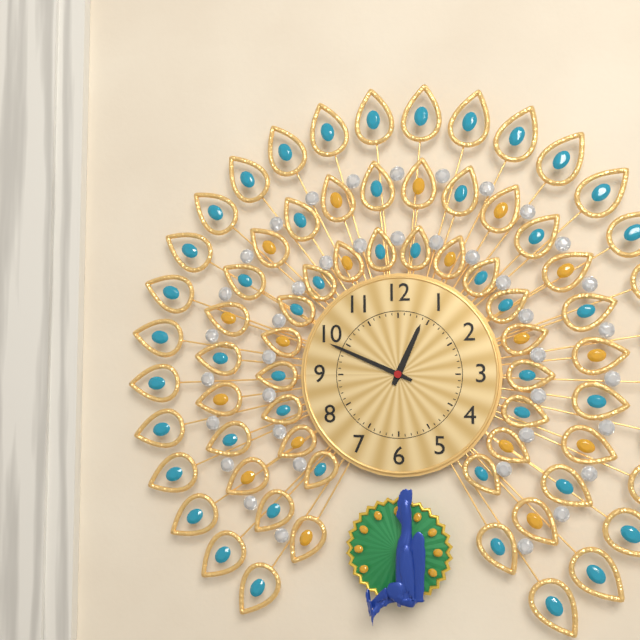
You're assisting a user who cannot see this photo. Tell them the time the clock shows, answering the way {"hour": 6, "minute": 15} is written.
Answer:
{"hour": 12, "minute": 49}
